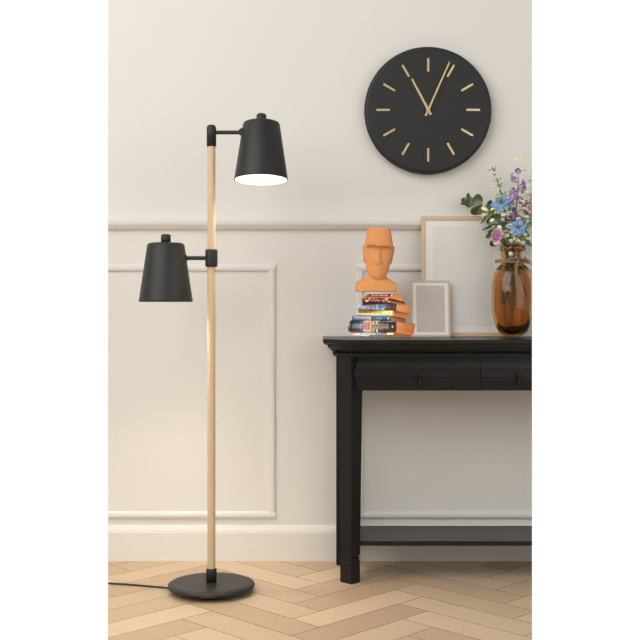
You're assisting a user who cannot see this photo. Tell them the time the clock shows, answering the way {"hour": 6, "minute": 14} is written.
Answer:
{"hour": 11, "minute": 4}
